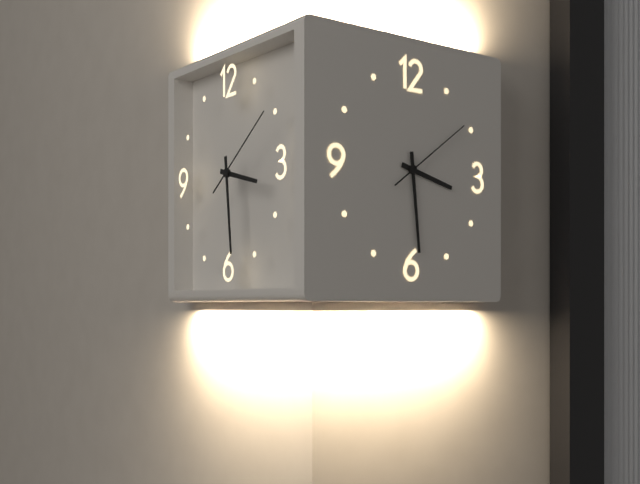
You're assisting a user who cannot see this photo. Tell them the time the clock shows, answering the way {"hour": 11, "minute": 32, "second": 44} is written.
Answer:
{"hour": 3, "minute": 29, "second": 9}
